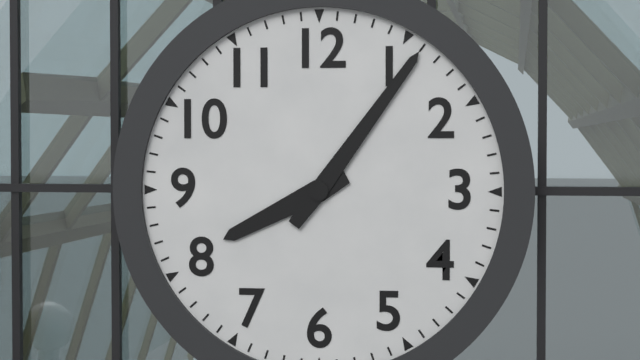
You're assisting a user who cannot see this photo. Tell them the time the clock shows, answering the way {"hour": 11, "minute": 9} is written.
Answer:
{"hour": 8, "minute": 6}
